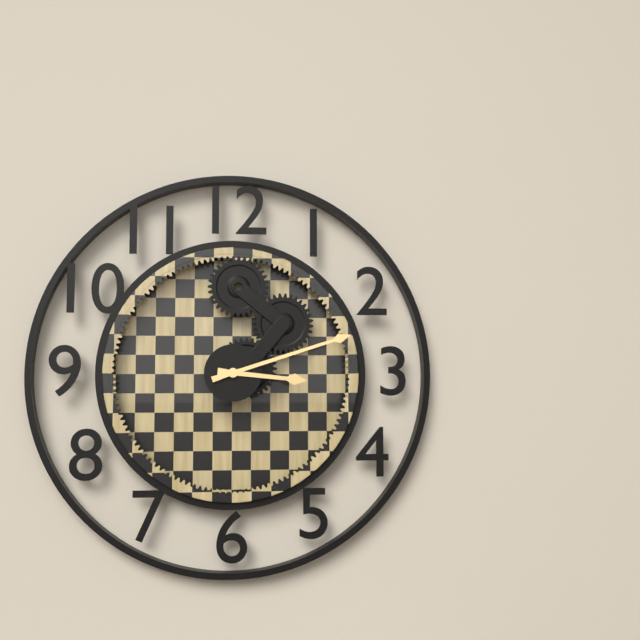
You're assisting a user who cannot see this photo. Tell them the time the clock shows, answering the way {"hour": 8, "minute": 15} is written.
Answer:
{"hour": 3, "minute": 12}
